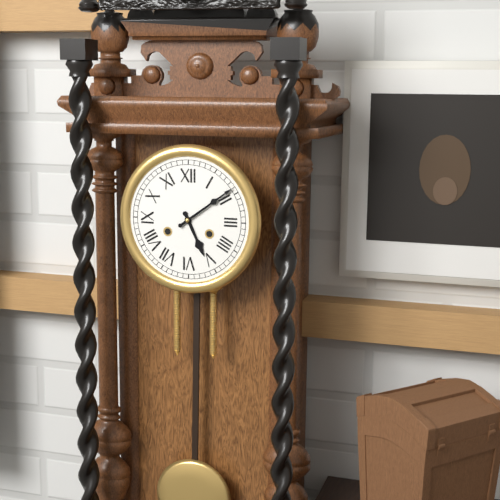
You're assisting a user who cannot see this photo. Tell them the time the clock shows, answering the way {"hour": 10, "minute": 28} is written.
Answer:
{"hour": 5, "minute": 9}
